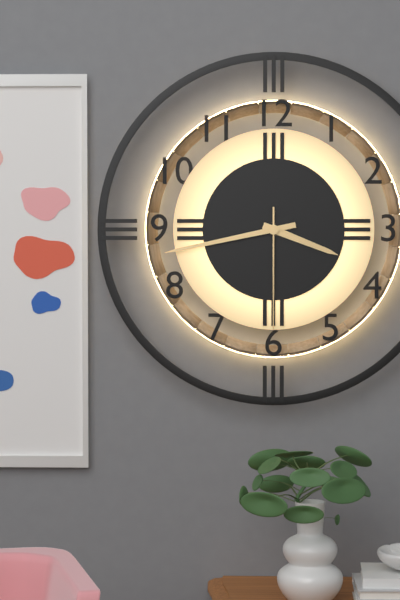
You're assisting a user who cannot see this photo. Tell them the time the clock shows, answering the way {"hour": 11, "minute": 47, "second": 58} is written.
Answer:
{"hour": 3, "minute": 43, "second": 30}
